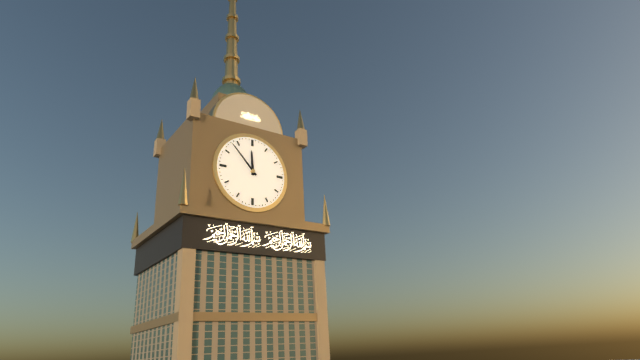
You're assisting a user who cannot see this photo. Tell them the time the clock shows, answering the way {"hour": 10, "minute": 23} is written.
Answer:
{"hour": 11, "minute": 53}
